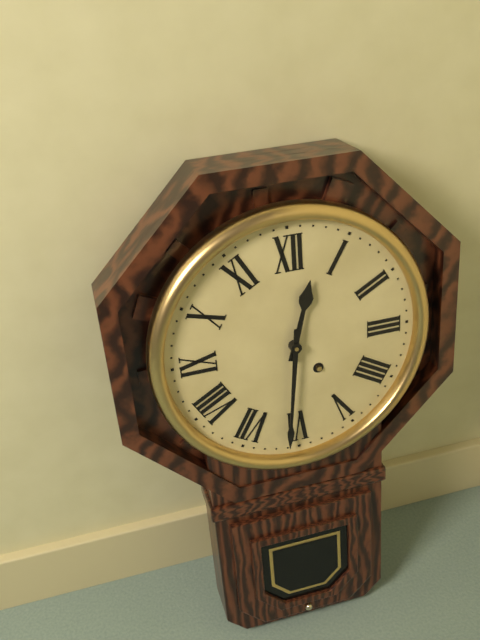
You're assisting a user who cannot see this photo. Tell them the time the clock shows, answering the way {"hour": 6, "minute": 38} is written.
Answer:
{"hour": 12, "minute": 31}
